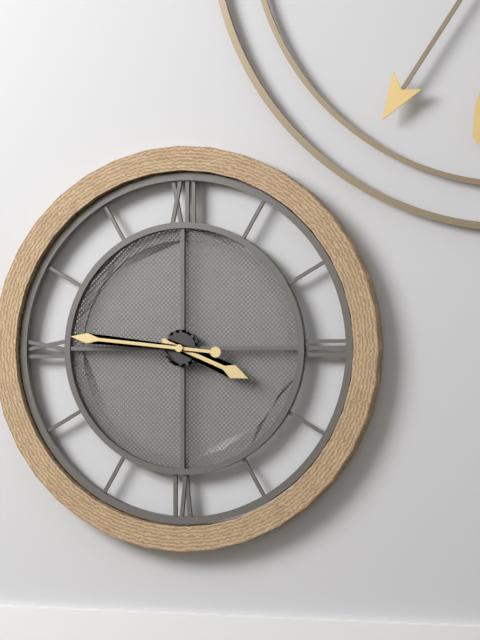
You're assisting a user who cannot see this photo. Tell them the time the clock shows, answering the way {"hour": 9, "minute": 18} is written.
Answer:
{"hour": 3, "minute": 46}
